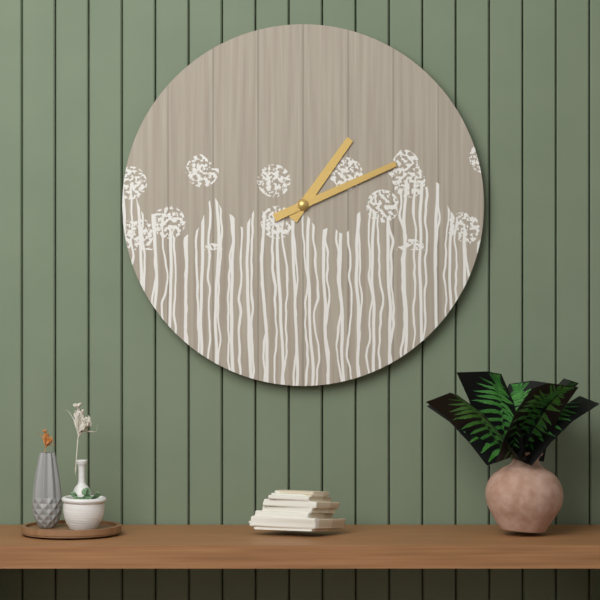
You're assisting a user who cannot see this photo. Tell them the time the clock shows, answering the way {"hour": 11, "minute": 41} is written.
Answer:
{"hour": 1, "minute": 11}
